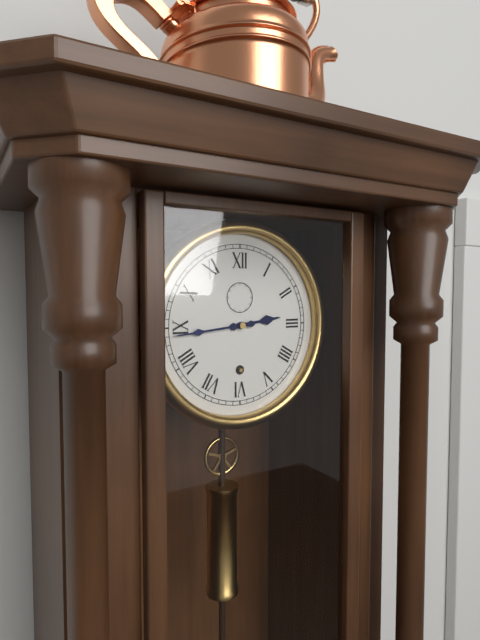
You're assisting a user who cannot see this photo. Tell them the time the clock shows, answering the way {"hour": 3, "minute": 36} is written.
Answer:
{"hour": 2, "minute": 44}
